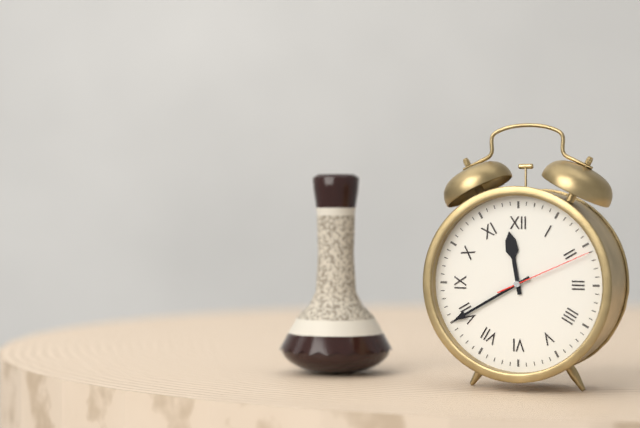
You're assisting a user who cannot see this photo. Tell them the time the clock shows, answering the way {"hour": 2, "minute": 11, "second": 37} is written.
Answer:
{"hour": 11, "minute": 40, "second": 11}
